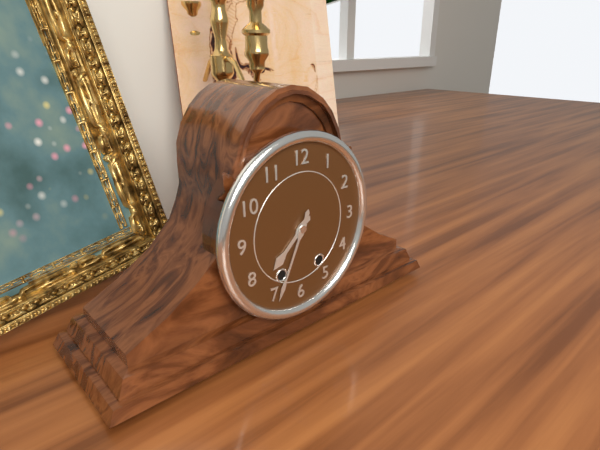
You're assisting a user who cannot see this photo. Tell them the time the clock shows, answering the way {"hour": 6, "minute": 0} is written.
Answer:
{"hour": 7, "minute": 34}
